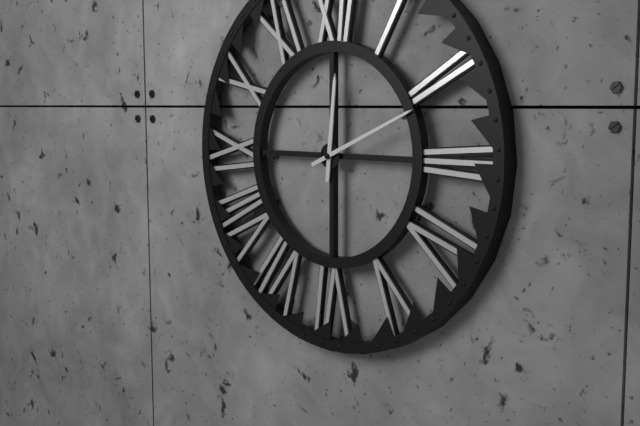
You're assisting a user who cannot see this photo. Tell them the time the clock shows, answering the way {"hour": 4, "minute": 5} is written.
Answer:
{"hour": 12, "minute": 11}
